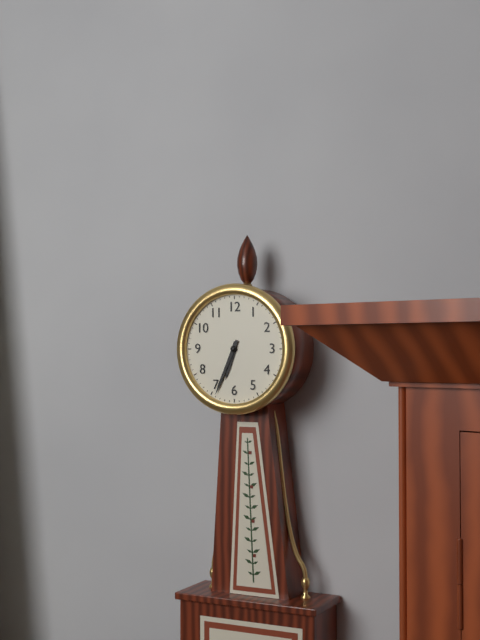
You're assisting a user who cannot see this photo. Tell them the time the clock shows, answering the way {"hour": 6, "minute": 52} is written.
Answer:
{"hour": 6, "minute": 34}
